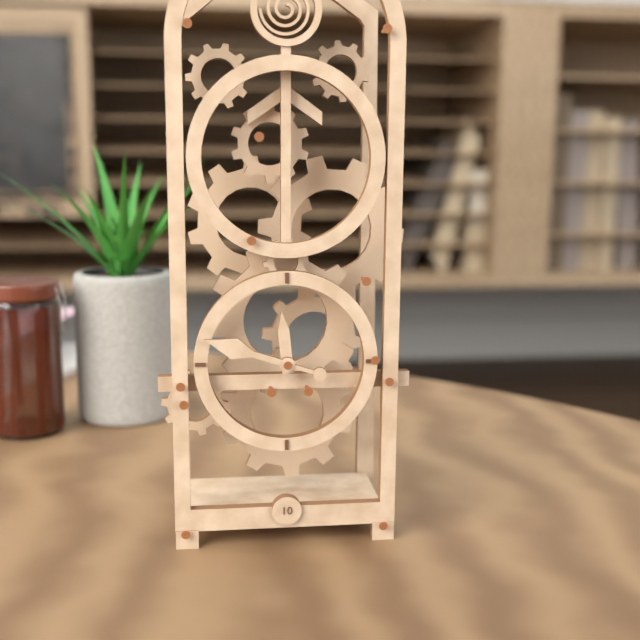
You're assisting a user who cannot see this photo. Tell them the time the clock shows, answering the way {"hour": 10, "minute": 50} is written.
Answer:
{"hour": 11, "minute": 48}
